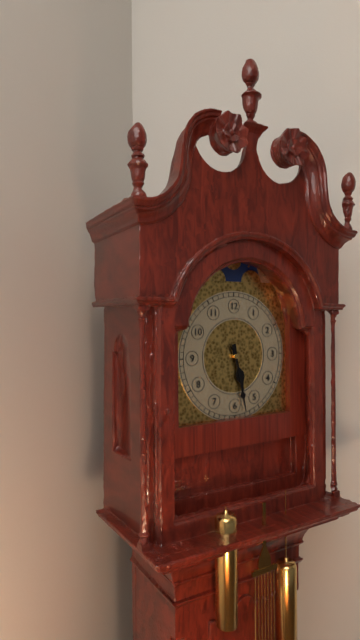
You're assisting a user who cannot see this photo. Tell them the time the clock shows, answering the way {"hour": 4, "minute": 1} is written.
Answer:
{"hour": 5, "minute": 28}
